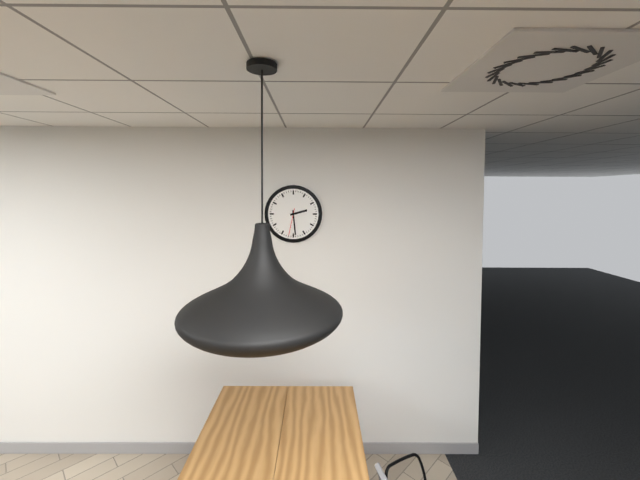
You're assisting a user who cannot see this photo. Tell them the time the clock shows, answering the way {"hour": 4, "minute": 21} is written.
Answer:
{"hour": 2, "minute": 29}
